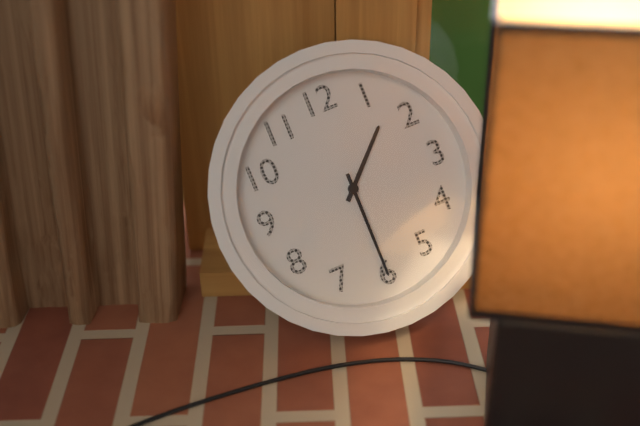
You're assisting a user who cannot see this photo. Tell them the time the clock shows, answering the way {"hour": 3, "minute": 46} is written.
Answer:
{"hour": 1, "minute": 30}
